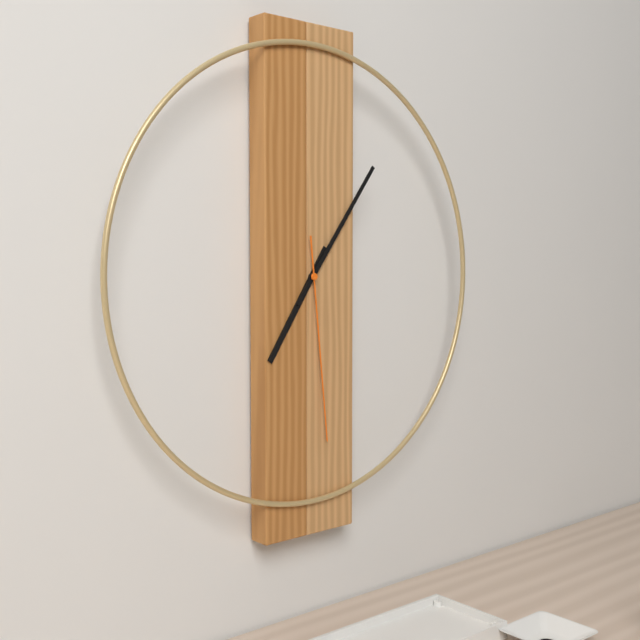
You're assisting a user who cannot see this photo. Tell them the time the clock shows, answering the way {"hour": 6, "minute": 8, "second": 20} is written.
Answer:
{"hour": 7, "minute": 6, "second": 29}
